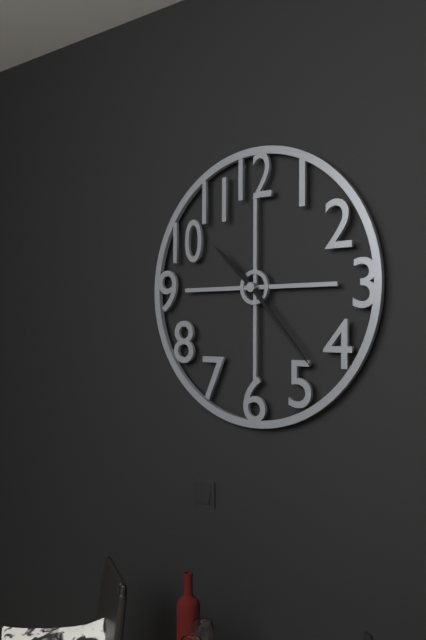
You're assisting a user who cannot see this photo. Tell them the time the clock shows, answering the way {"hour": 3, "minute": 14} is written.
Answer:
{"hour": 10, "minute": 23}
